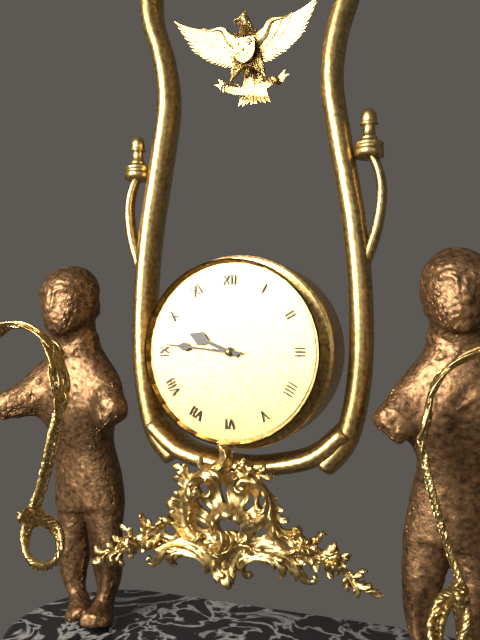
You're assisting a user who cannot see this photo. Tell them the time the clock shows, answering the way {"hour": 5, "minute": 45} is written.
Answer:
{"hour": 9, "minute": 46}
